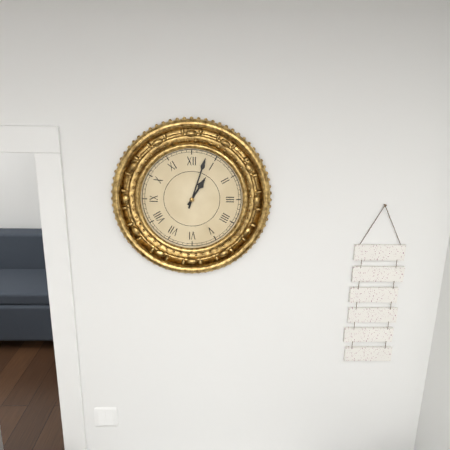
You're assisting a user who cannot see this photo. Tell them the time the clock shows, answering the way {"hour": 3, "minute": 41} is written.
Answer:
{"hour": 1, "minute": 3}
